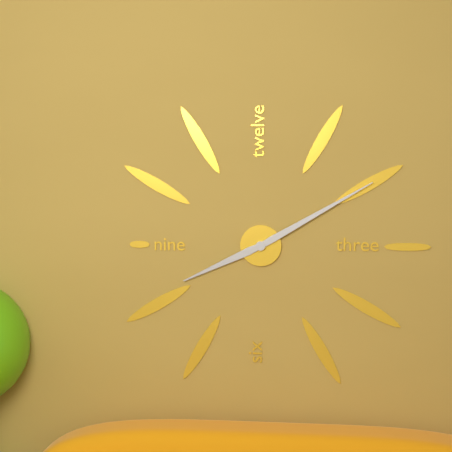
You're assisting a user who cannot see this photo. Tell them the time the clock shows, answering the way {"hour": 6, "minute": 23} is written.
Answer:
{"hour": 8, "minute": 10}
